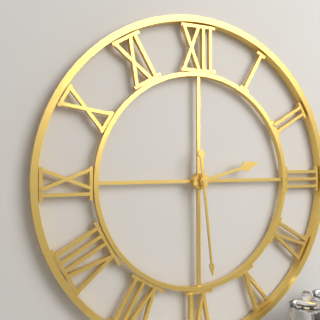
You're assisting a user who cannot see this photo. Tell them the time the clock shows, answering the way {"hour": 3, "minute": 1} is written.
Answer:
{"hour": 2, "minute": 29}
